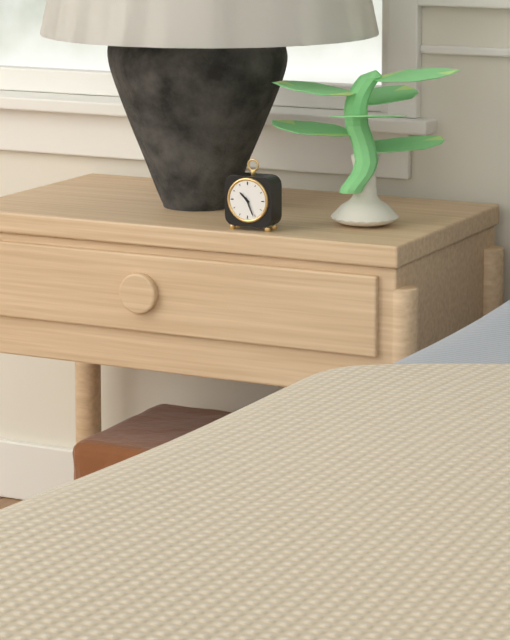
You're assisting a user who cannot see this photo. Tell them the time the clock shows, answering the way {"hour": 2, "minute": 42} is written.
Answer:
{"hour": 10, "minute": 26}
